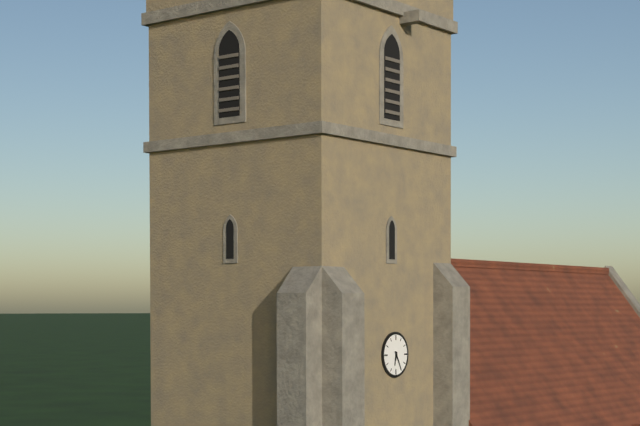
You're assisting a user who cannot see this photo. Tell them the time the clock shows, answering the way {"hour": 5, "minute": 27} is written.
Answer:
{"hour": 6, "minute": 25}
